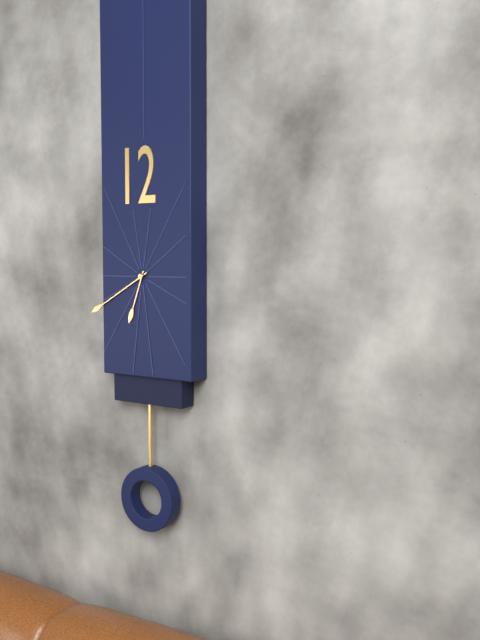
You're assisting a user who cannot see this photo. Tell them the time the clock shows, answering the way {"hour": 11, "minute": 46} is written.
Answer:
{"hour": 6, "minute": 40}
